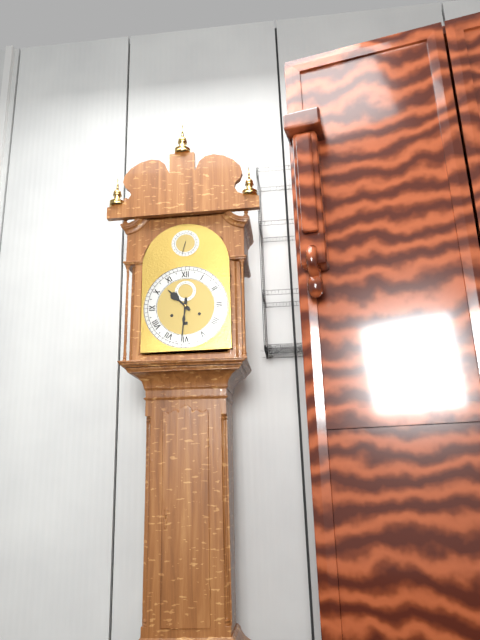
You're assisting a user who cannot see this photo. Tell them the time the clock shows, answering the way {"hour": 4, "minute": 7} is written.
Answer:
{"hour": 10, "minute": 31}
